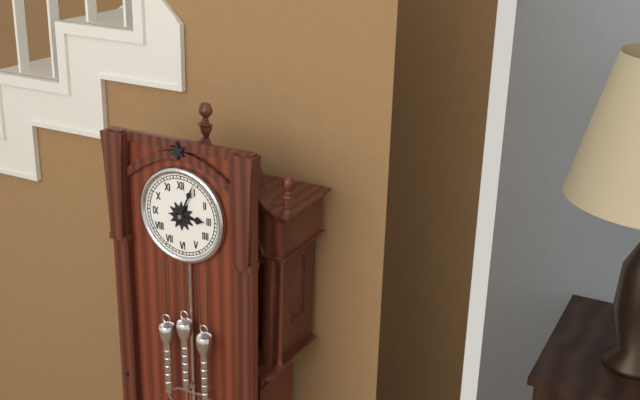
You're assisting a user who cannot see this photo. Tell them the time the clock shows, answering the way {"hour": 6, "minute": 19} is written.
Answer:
{"hour": 3, "minute": 4}
